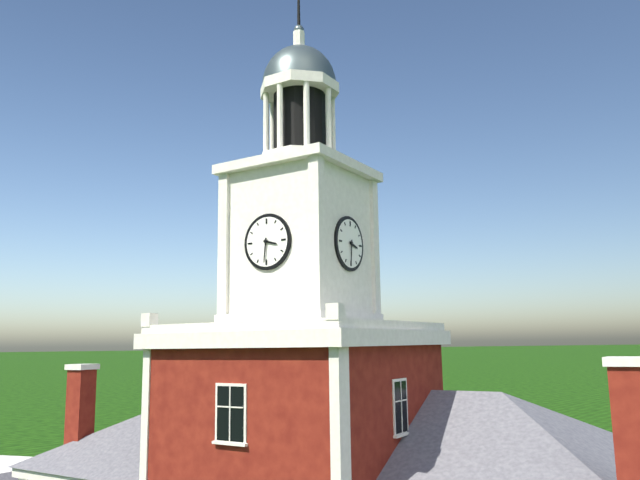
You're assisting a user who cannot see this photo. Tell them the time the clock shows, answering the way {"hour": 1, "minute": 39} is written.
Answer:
{"hour": 3, "minute": 31}
